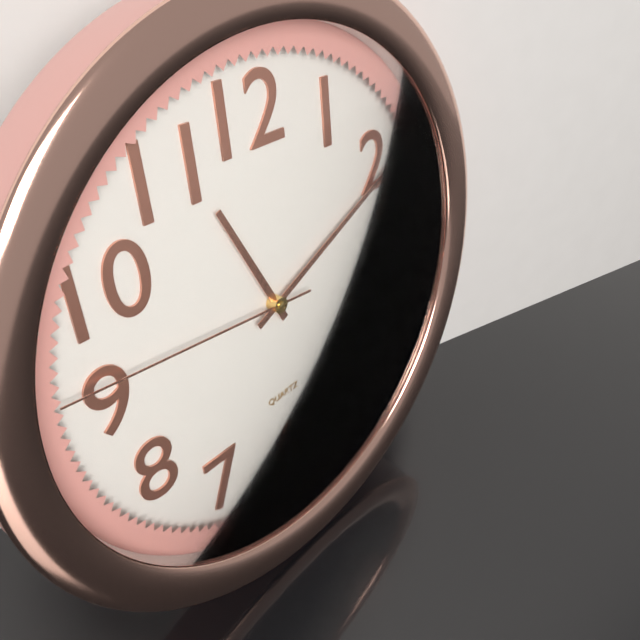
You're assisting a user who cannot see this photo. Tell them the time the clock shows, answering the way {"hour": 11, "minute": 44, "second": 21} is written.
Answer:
{"hour": 11, "minute": 11, "second": 46}
